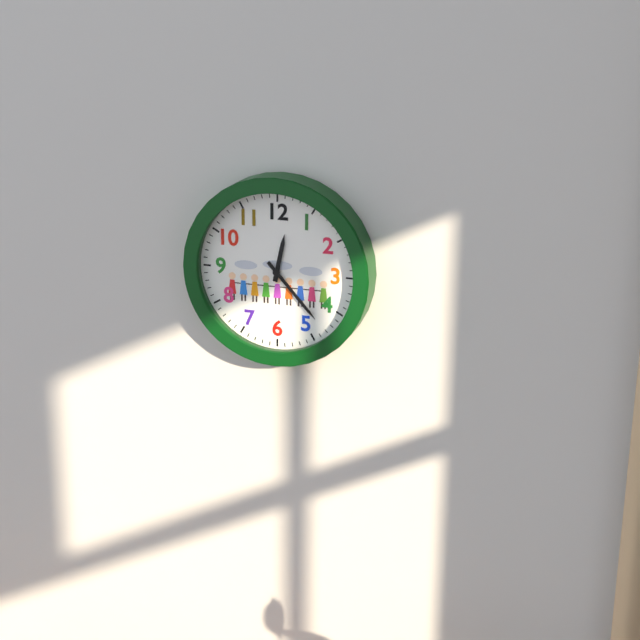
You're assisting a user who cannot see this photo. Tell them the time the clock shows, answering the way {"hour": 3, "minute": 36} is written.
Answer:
{"hour": 12, "minute": 23}
